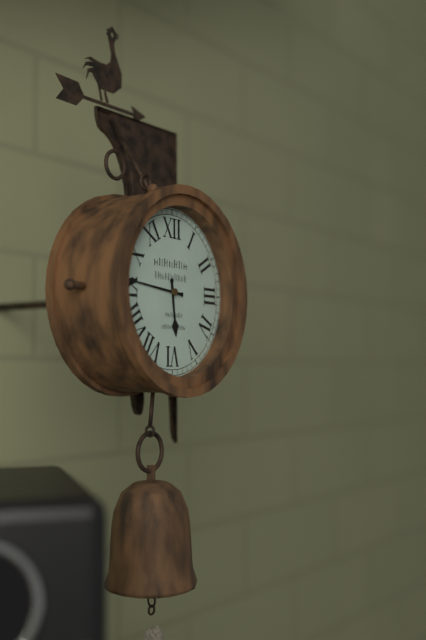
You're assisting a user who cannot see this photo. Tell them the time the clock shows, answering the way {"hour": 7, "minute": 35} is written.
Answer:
{"hour": 5, "minute": 46}
